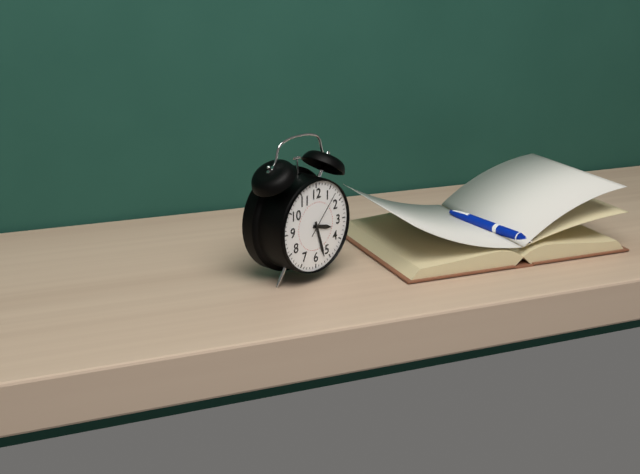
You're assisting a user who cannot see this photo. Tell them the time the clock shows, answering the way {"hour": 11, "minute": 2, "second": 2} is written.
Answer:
{"hour": 3, "minute": 27, "second": 7}
